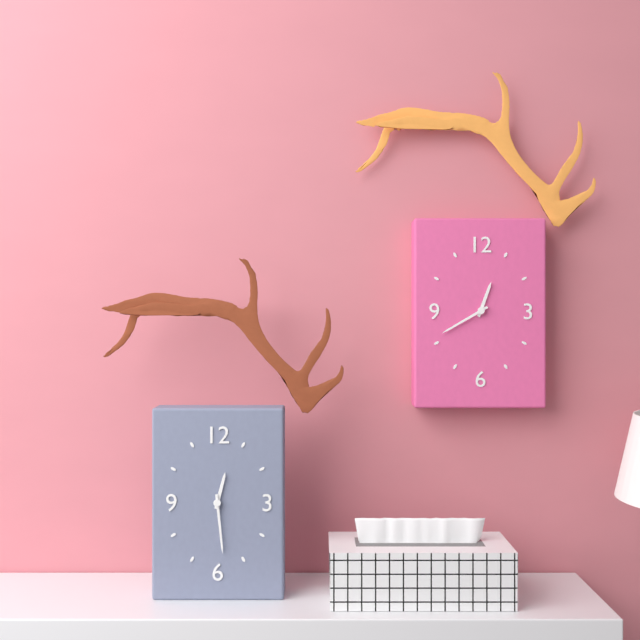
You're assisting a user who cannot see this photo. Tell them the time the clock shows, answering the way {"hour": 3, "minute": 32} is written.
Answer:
{"hour": 12, "minute": 29}
